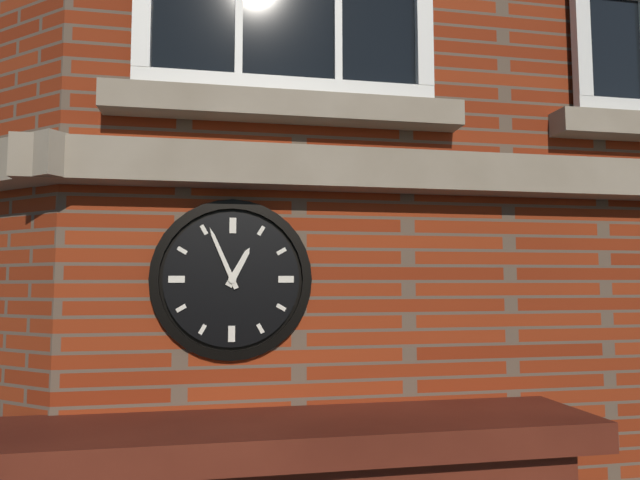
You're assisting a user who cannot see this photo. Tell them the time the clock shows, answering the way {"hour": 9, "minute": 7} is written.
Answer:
{"hour": 12, "minute": 56}
